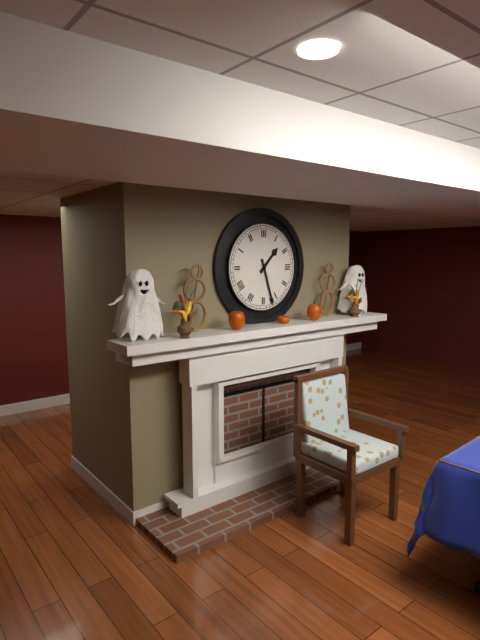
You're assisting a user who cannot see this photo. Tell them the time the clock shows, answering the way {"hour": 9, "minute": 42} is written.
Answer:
{"hour": 1, "minute": 27}
